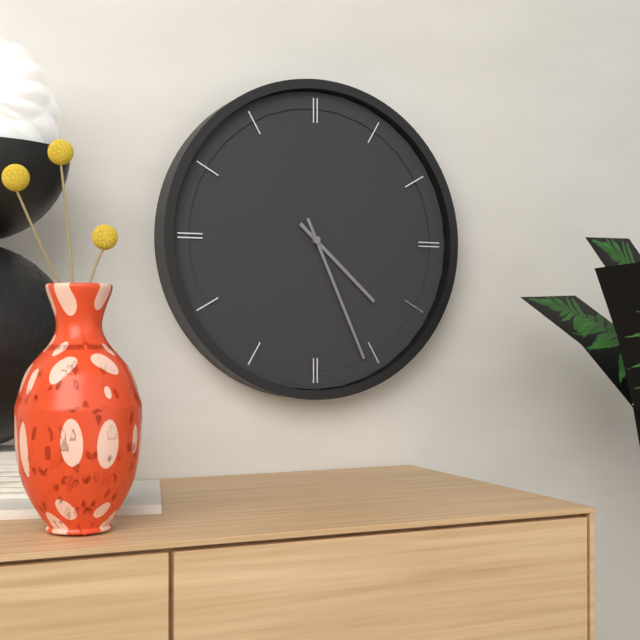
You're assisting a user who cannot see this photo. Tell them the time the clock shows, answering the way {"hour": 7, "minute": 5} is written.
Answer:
{"hour": 4, "minute": 26}
